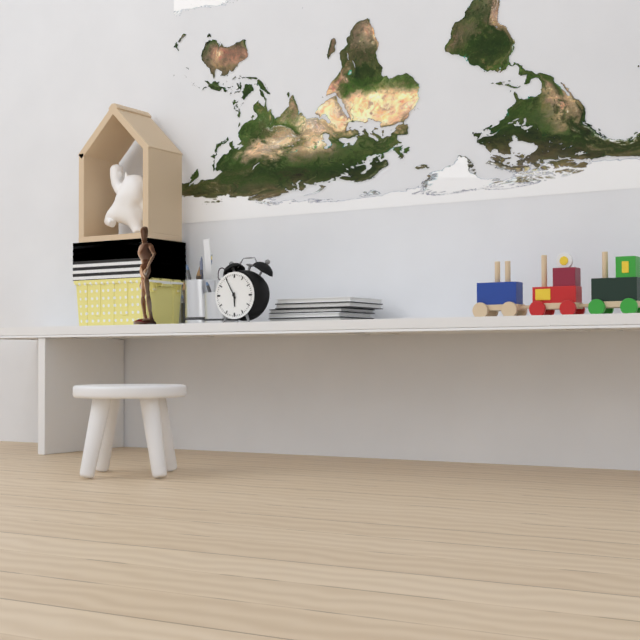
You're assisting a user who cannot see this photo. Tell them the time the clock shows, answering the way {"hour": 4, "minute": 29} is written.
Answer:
{"hour": 5, "minute": 55}
